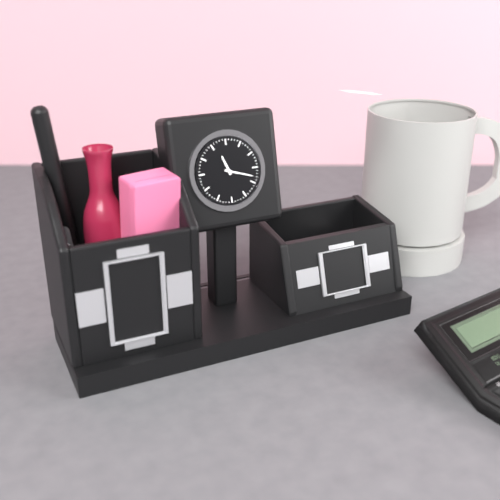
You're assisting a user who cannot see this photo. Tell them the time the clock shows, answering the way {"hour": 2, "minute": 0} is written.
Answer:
{"hour": 11, "minute": 18}
